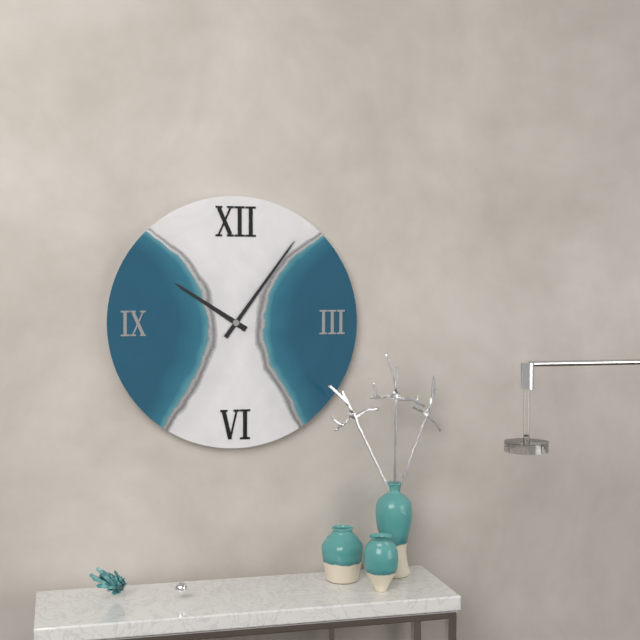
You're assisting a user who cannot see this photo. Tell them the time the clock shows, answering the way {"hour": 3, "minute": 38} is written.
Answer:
{"hour": 10, "minute": 6}
